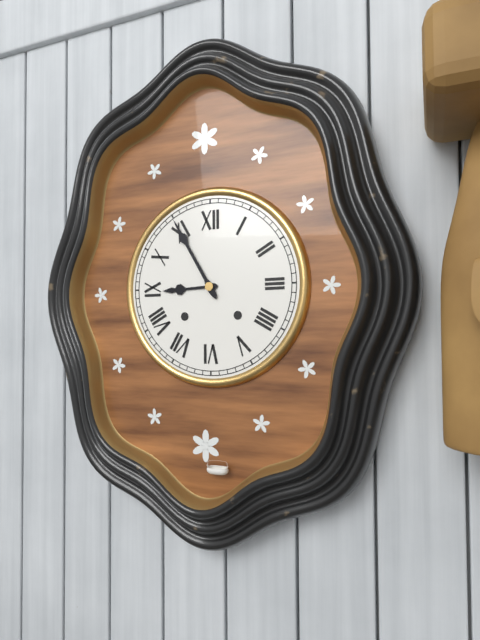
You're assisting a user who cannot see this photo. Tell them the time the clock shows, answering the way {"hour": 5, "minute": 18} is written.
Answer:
{"hour": 8, "minute": 55}
